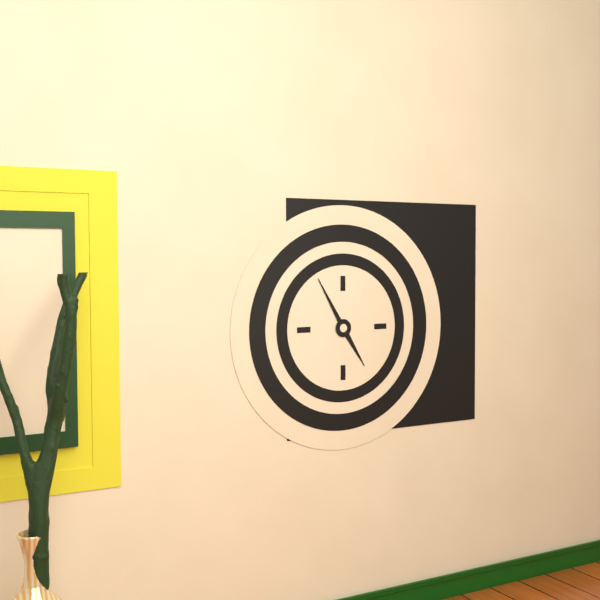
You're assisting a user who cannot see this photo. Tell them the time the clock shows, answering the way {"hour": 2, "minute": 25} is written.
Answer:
{"hour": 4, "minute": 55}
